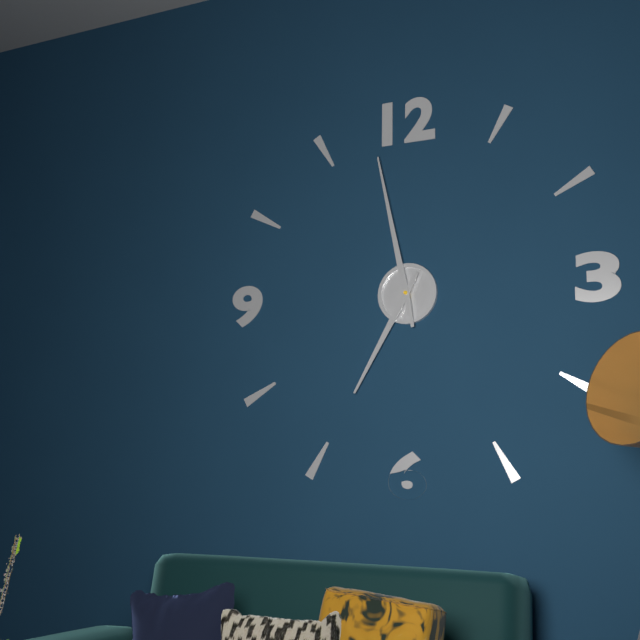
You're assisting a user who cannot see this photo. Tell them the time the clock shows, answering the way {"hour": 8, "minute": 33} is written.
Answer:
{"hour": 6, "minute": 58}
